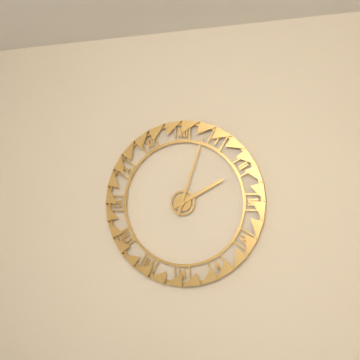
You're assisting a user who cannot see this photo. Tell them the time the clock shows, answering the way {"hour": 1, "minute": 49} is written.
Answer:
{"hour": 2, "minute": 3}
